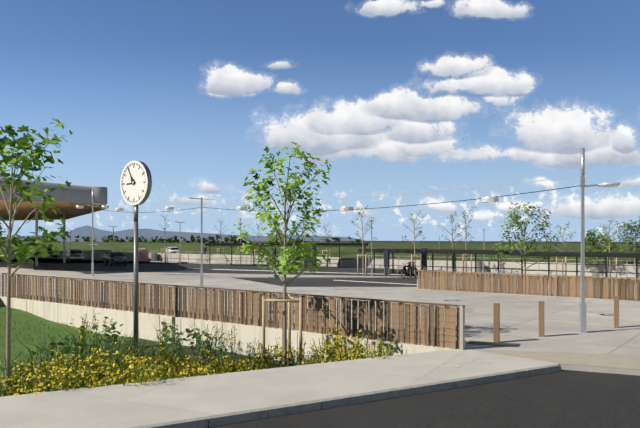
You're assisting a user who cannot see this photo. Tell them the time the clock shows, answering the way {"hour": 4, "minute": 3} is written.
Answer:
{"hour": 8, "minute": 55}
